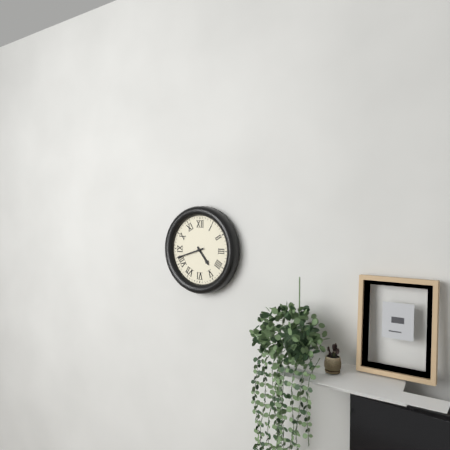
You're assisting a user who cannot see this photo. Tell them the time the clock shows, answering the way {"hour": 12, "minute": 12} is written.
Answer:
{"hour": 4, "minute": 42}
